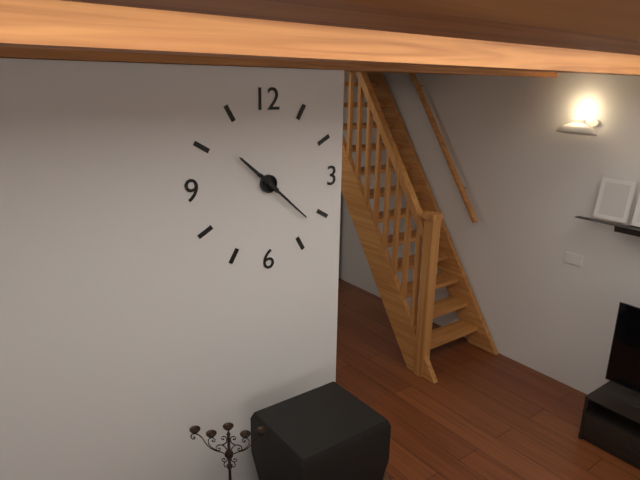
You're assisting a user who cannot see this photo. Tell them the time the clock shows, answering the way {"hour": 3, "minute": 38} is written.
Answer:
{"hour": 10, "minute": 22}
